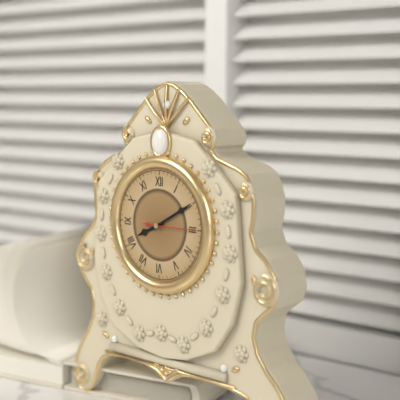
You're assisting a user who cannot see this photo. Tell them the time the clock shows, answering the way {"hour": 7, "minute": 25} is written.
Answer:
{"hour": 8, "minute": 10}
